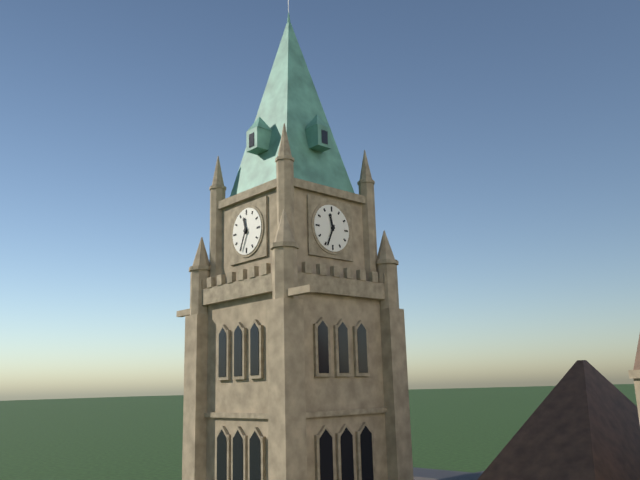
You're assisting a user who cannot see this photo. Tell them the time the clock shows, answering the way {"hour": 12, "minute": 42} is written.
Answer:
{"hour": 11, "minute": 34}
